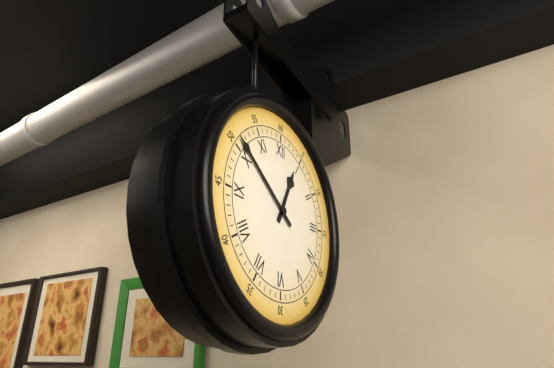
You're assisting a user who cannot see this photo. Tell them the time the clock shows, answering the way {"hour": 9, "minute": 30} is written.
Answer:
{"hour": 12, "minute": 51}
